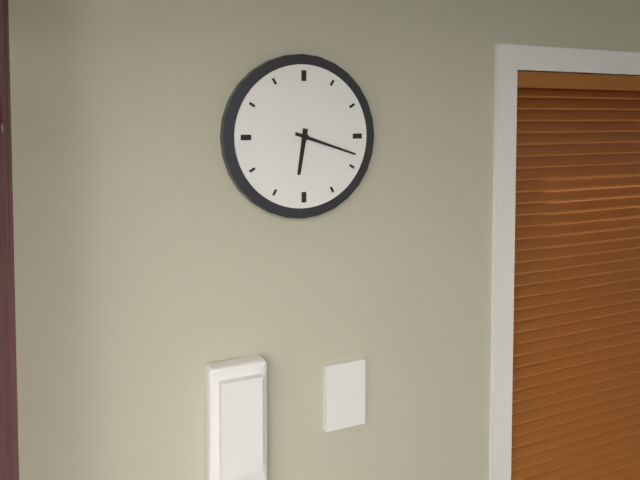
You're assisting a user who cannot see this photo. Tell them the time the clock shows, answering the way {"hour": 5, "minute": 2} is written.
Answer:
{"hour": 6, "minute": 18}
